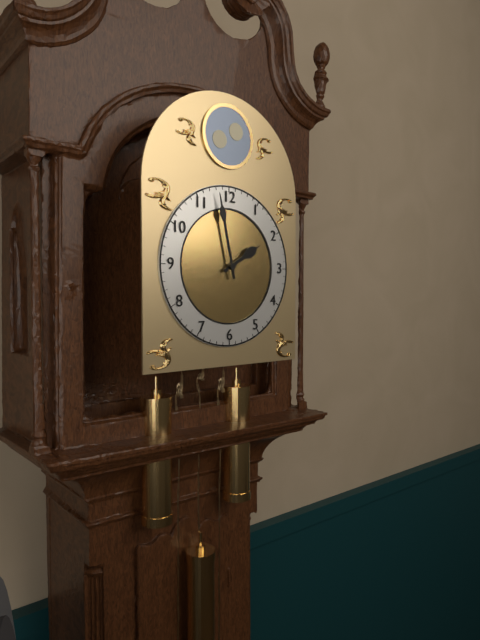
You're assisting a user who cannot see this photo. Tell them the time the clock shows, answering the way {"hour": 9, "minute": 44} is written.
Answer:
{"hour": 1, "minute": 58}
